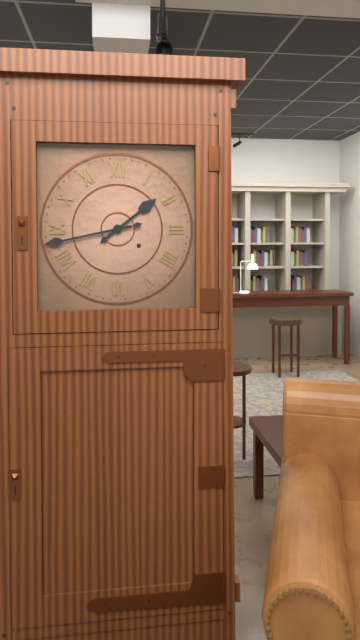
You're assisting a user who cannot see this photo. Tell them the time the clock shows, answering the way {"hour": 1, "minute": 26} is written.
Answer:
{"hour": 1, "minute": 43}
